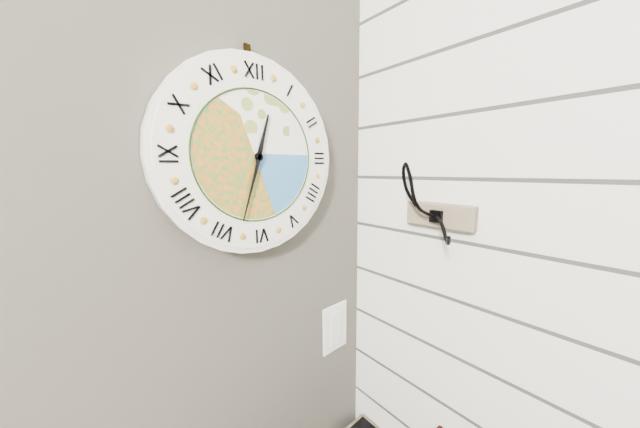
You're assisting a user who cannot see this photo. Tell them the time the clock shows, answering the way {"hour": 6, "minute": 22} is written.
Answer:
{"hour": 12, "minute": 33}
